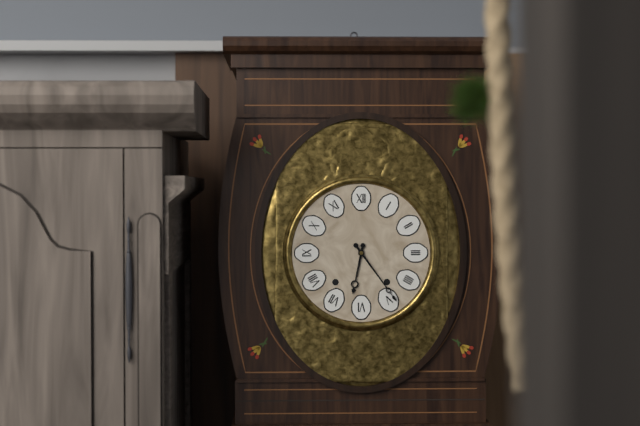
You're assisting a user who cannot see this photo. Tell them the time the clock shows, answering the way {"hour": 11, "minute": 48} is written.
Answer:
{"hour": 6, "minute": 24}
